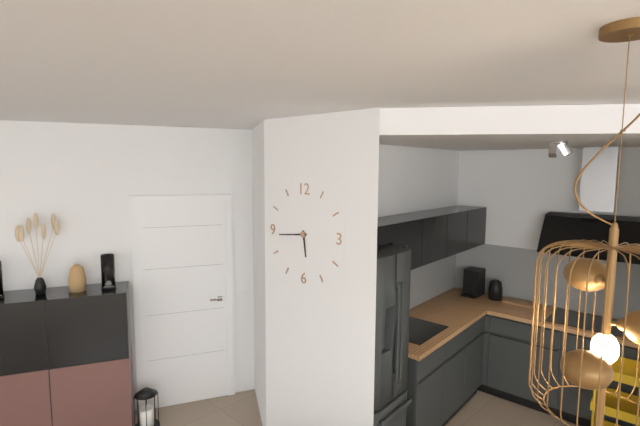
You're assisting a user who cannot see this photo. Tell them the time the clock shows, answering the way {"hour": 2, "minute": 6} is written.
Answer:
{"hour": 5, "minute": 44}
